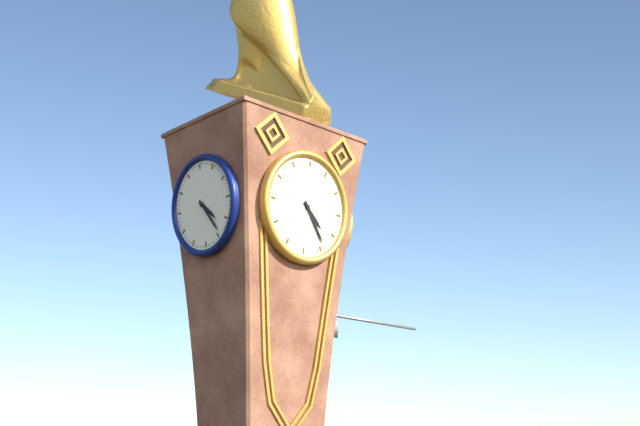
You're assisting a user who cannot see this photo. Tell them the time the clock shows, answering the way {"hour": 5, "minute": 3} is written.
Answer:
{"hour": 4, "minute": 24}
